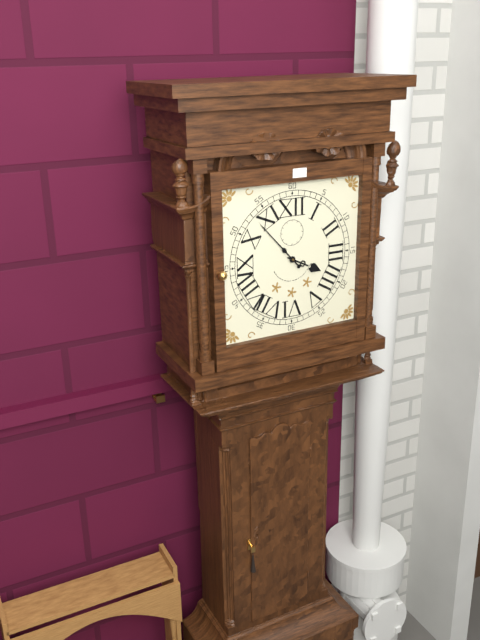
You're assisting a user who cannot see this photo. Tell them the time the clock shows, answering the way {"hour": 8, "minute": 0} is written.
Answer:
{"hour": 3, "minute": 53}
